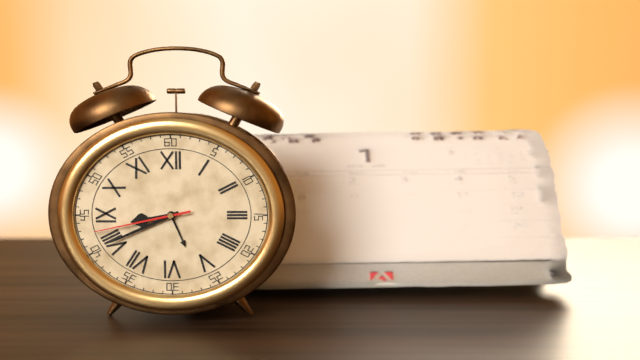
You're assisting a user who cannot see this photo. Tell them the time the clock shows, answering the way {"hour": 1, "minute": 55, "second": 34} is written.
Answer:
{"hour": 8, "minute": 41, "second": 43}
